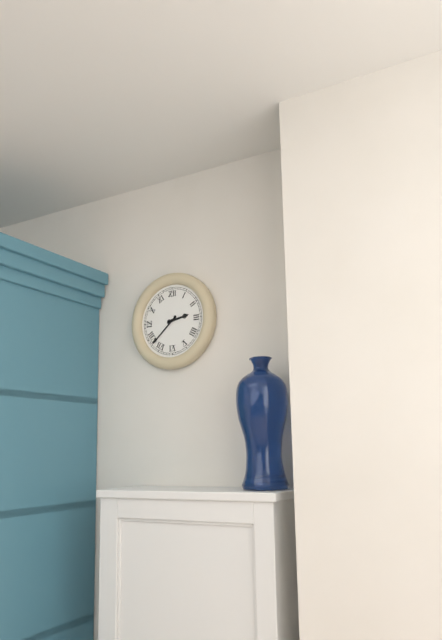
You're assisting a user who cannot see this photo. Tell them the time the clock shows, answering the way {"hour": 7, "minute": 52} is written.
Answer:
{"hour": 2, "minute": 38}
